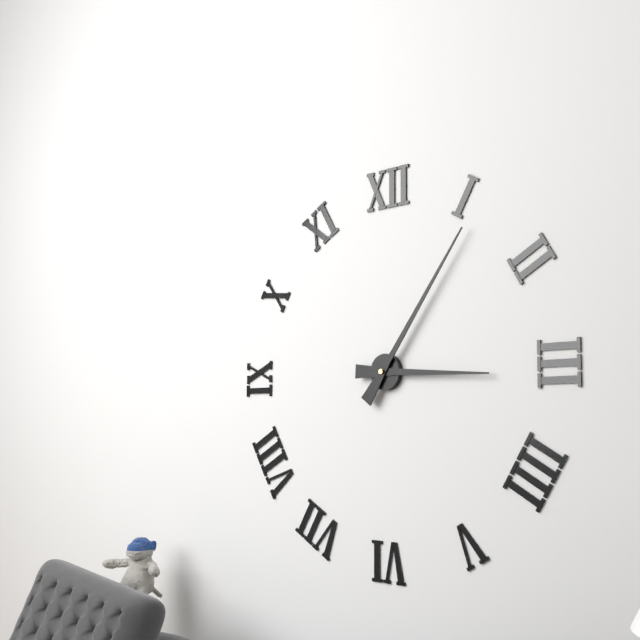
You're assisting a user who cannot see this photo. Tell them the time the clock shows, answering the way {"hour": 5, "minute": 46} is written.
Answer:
{"hour": 3, "minute": 6}
